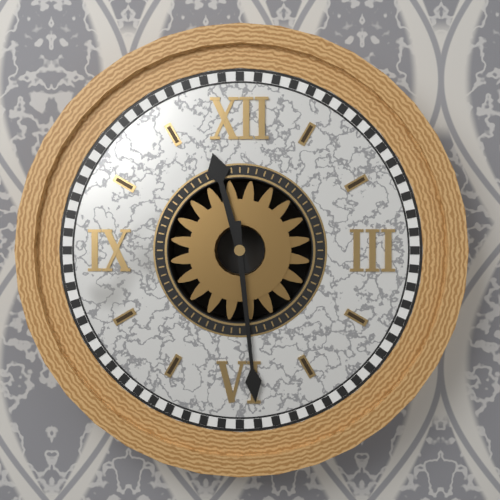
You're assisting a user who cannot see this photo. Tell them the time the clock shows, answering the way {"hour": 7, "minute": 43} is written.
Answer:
{"hour": 11, "minute": 29}
